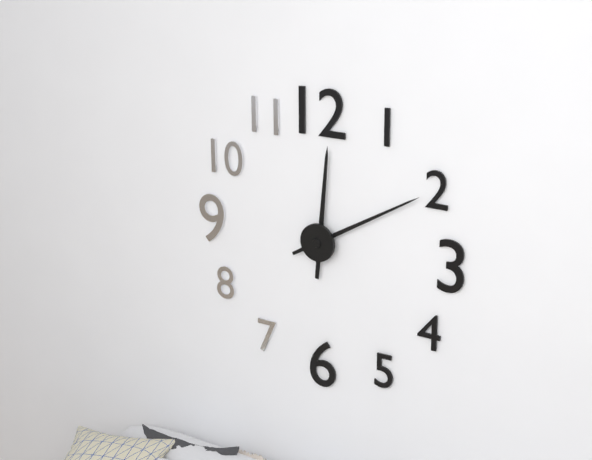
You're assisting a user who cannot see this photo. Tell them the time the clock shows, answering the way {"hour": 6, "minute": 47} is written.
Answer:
{"hour": 12, "minute": 10}
